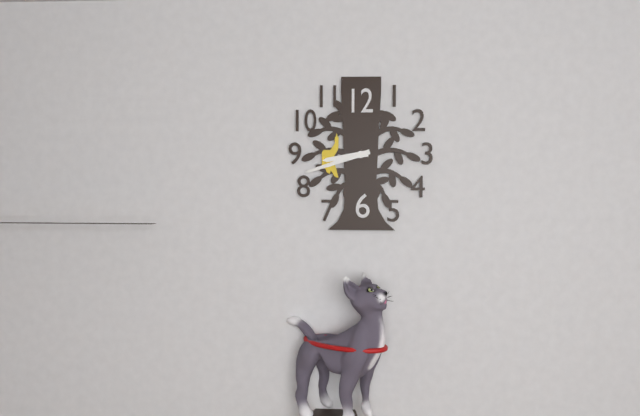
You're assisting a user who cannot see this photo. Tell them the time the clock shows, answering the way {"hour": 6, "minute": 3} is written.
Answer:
{"hour": 8, "minute": 42}
